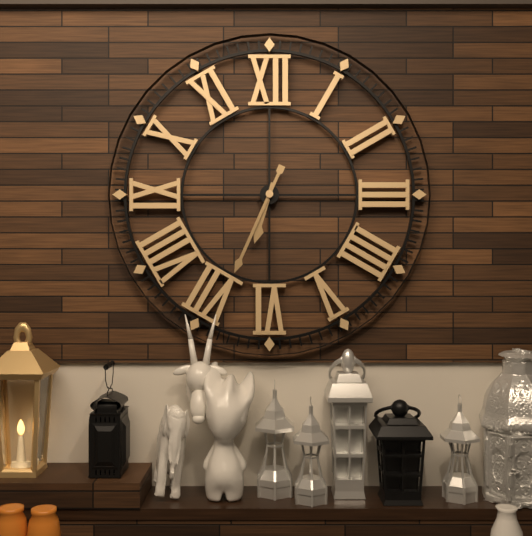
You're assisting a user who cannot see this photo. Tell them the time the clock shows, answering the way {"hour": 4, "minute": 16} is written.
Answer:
{"hour": 6, "minute": 34}
